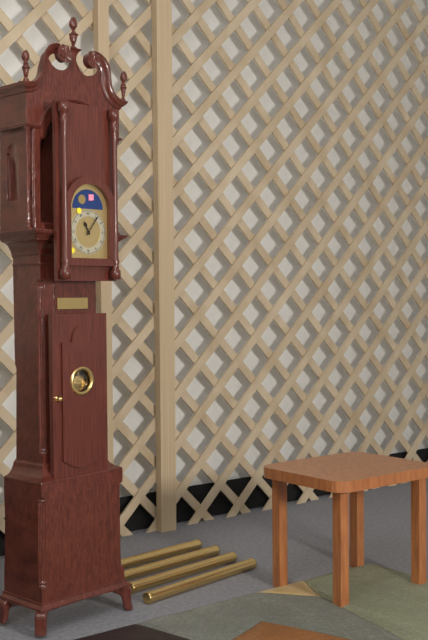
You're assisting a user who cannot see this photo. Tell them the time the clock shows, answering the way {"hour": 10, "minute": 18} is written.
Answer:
{"hour": 11, "minute": 6}
